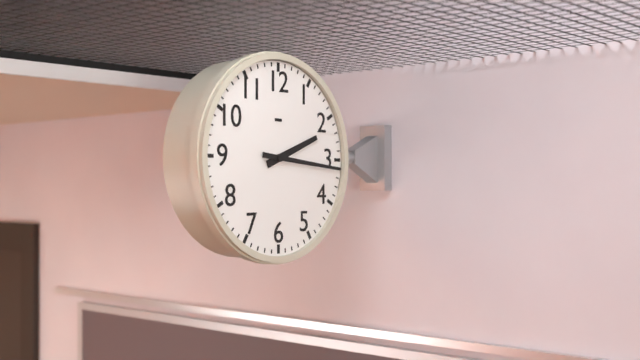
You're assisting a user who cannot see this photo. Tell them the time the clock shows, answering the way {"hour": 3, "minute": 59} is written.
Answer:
{"hour": 2, "minute": 16}
